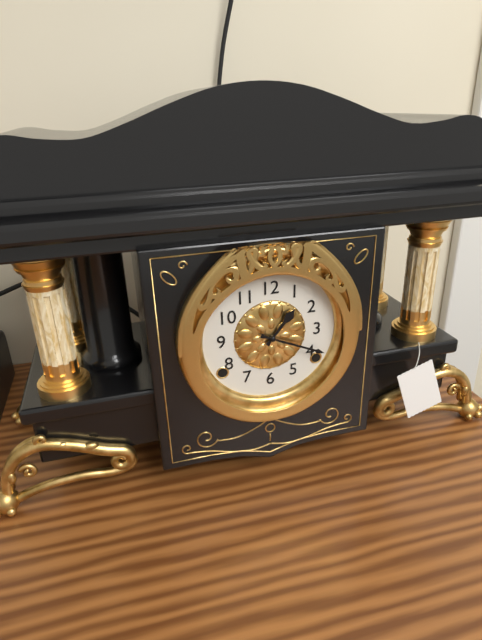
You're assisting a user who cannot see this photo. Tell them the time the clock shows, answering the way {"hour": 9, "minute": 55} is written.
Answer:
{"hour": 1, "minute": 19}
